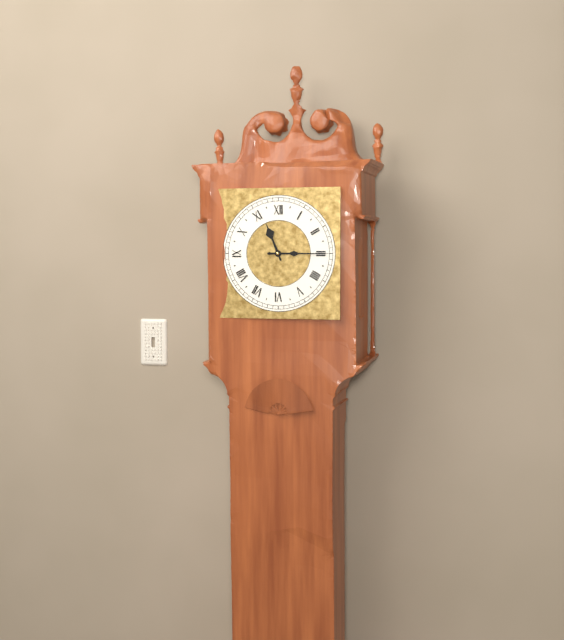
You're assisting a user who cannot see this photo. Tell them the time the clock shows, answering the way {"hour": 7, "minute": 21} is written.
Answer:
{"hour": 11, "minute": 15}
